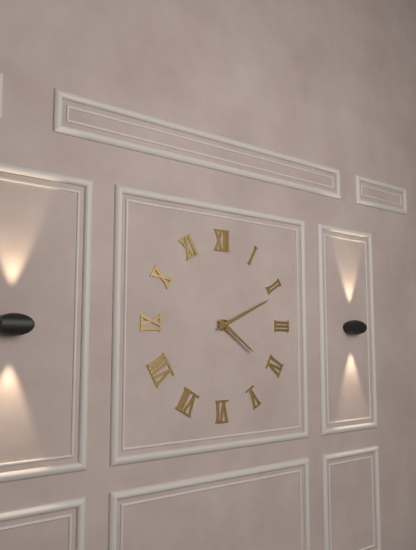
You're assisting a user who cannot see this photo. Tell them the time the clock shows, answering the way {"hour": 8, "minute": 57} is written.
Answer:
{"hour": 4, "minute": 11}
